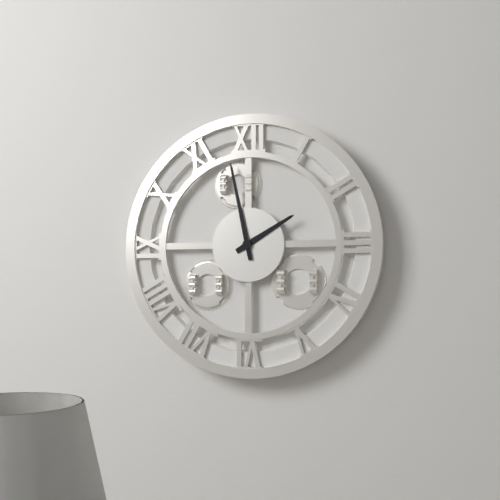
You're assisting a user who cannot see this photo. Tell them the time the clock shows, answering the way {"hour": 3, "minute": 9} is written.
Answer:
{"hour": 1, "minute": 58}
